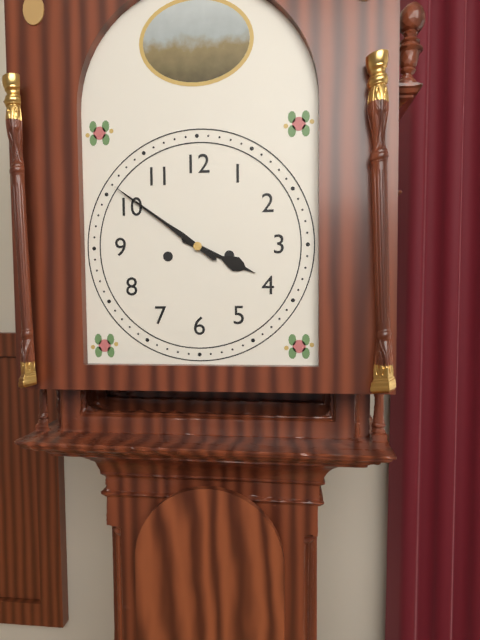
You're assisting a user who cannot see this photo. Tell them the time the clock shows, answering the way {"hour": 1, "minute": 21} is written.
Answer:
{"hour": 3, "minute": 51}
